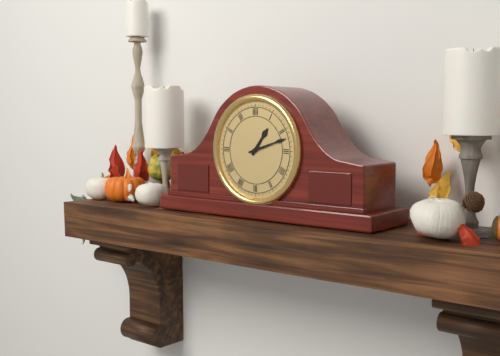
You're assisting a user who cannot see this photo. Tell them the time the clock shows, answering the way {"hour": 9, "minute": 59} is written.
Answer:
{"hour": 1, "minute": 12}
